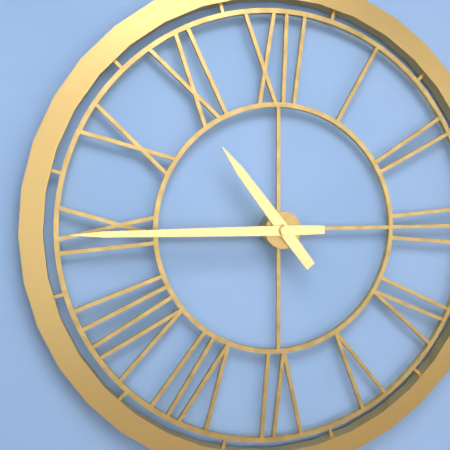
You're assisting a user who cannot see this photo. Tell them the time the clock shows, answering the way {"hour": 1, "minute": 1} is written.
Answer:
{"hour": 10, "minute": 45}
